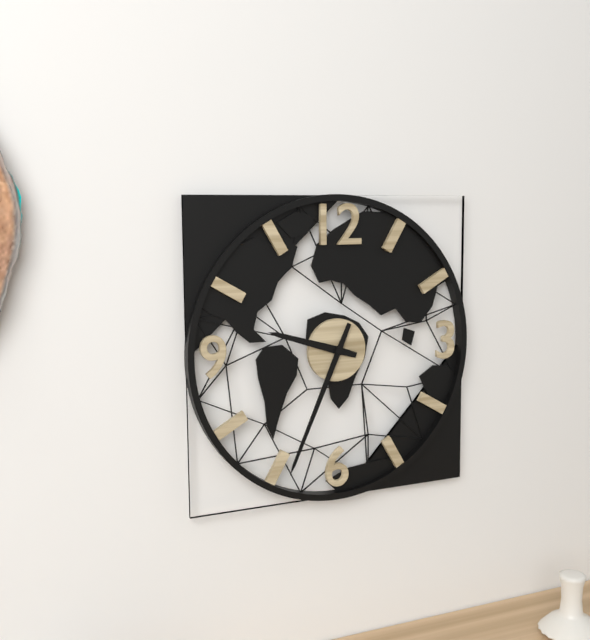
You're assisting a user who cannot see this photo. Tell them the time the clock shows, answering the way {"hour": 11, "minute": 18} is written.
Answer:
{"hour": 9, "minute": 34}
